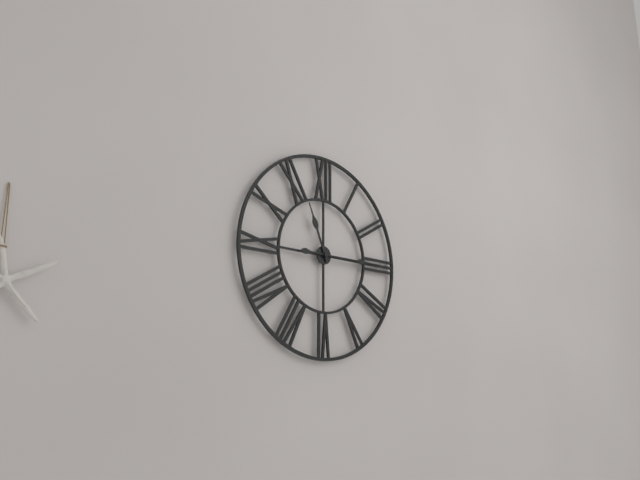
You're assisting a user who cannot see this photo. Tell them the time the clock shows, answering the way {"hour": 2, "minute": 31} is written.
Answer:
{"hour": 11, "minute": 15}
